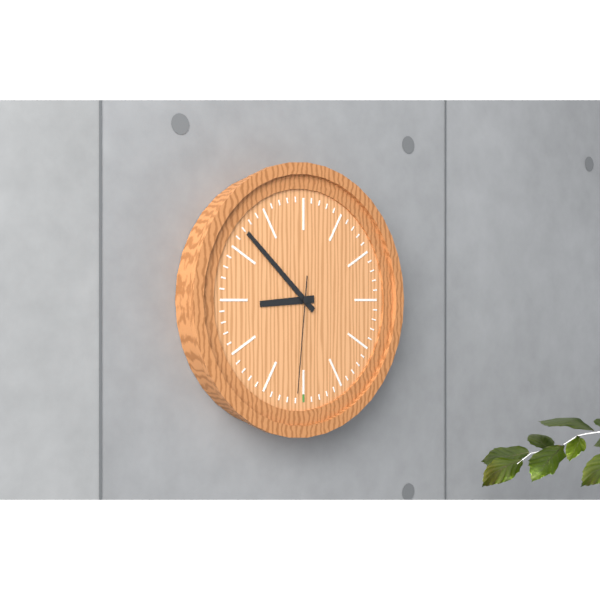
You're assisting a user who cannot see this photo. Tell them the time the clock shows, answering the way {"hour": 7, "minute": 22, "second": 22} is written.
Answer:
{"hour": 8, "minute": 52, "second": 31}
